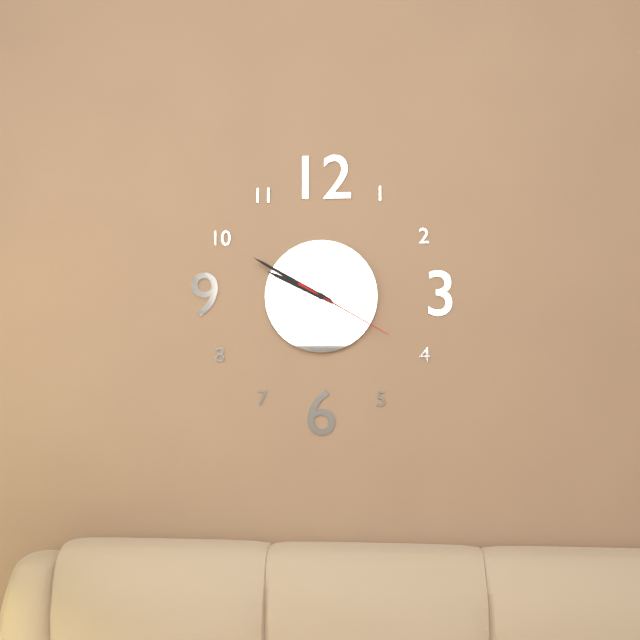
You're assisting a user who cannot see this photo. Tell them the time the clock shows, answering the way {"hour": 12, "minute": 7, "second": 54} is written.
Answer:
{"hour": 9, "minute": 50, "second": 20}
